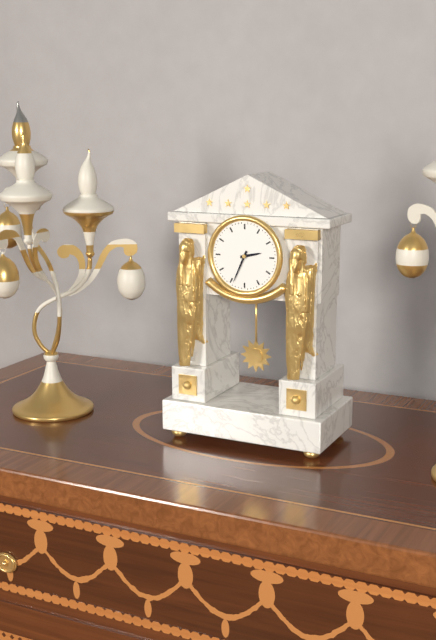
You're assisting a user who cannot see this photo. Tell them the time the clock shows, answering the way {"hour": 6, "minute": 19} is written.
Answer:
{"hour": 2, "minute": 34}
